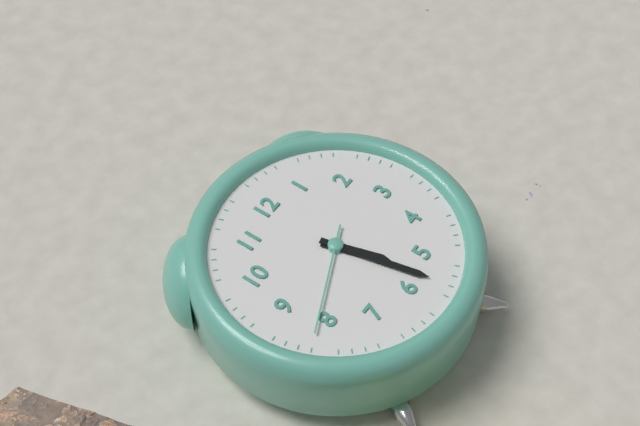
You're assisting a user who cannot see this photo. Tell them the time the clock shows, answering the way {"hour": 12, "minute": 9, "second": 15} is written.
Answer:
{"hour": 5, "minute": 28, "second": 41}
